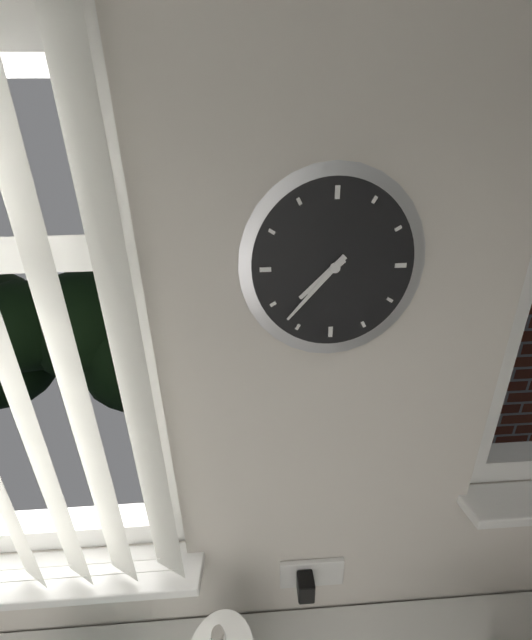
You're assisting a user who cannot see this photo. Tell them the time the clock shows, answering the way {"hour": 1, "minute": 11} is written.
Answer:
{"hour": 7, "minute": 37}
